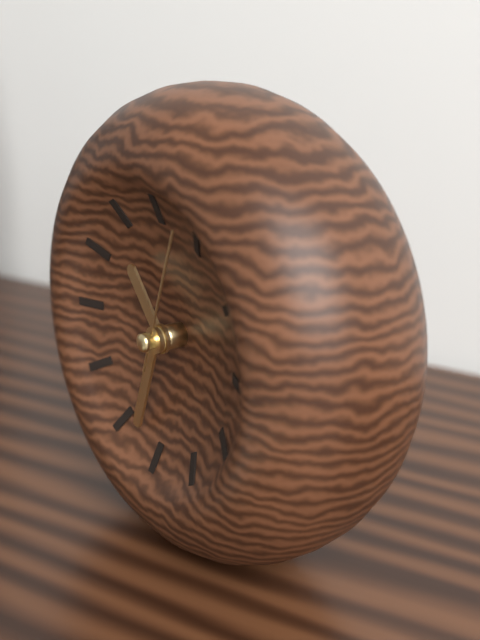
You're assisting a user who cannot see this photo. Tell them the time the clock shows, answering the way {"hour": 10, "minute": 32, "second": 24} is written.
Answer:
{"hour": 10, "minute": 33, "second": 3}
